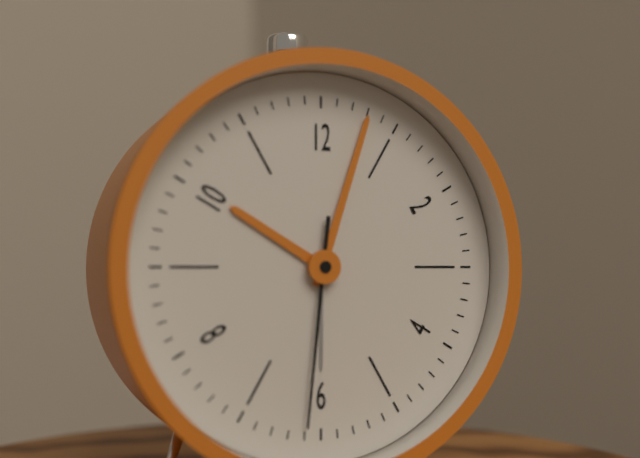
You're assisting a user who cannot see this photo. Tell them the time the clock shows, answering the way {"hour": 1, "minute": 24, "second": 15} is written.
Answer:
{"hour": 10, "minute": 3, "second": 31}
